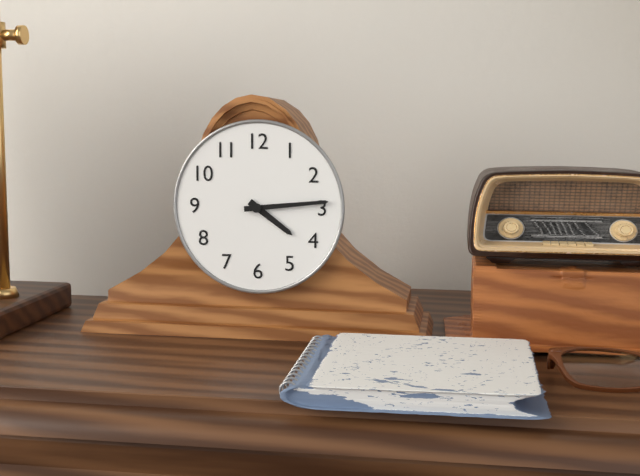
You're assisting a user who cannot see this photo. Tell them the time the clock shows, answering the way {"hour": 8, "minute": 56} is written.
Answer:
{"hour": 4, "minute": 14}
